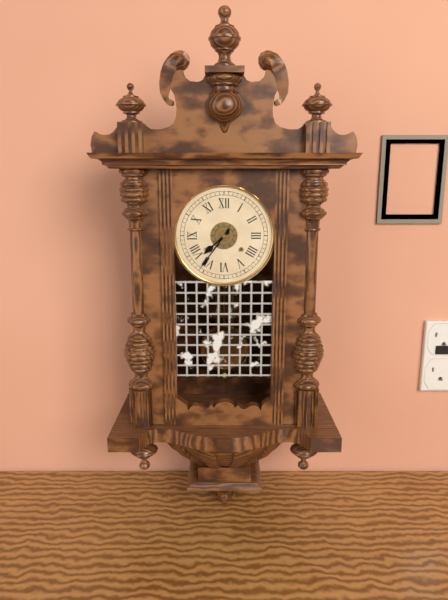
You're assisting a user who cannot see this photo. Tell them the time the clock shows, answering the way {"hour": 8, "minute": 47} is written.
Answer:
{"hour": 7, "minute": 36}
